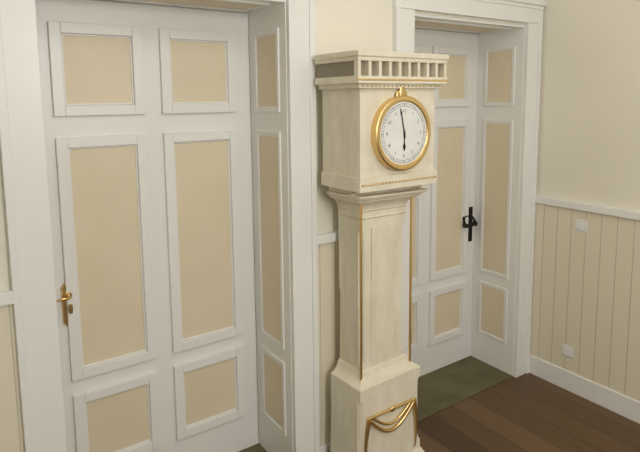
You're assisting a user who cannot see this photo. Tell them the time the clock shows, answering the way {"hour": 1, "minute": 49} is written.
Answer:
{"hour": 5, "minute": 58}
